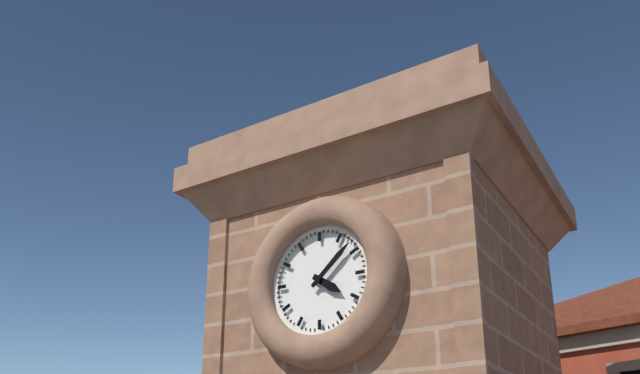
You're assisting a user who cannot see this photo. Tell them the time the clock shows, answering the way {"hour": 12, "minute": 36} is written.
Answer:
{"hour": 4, "minute": 8}
